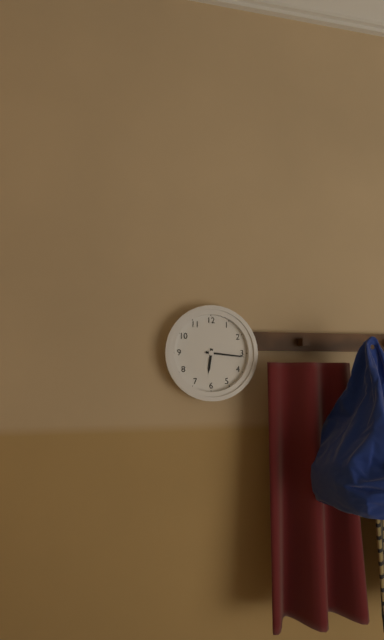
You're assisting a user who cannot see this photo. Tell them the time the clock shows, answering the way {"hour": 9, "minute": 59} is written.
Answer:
{"hour": 6, "minute": 16}
